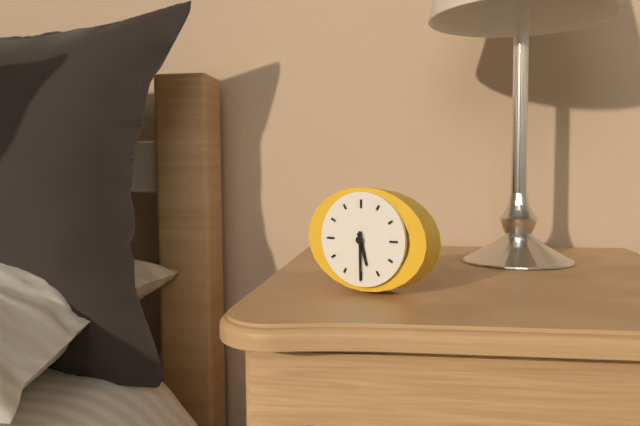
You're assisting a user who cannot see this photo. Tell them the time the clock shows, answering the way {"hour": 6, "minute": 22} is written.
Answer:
{"hour": 5, "minute": 30}
